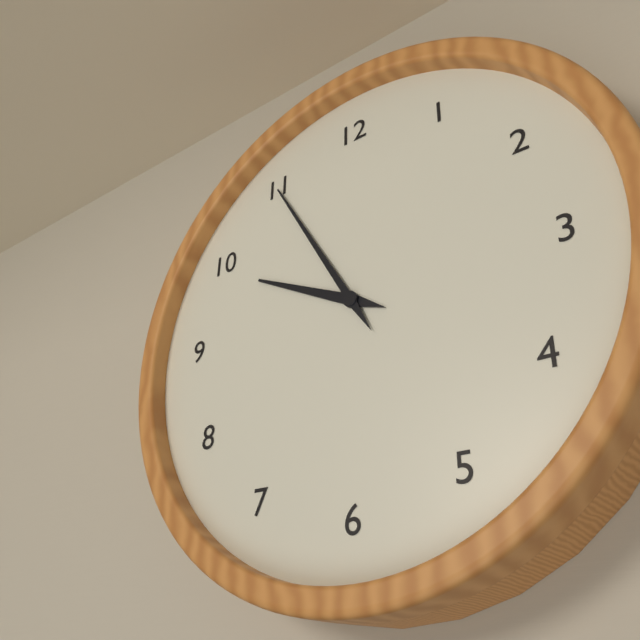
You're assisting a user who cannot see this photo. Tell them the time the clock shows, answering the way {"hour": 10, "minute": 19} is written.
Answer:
{"hour": 9, "minute": 55}
